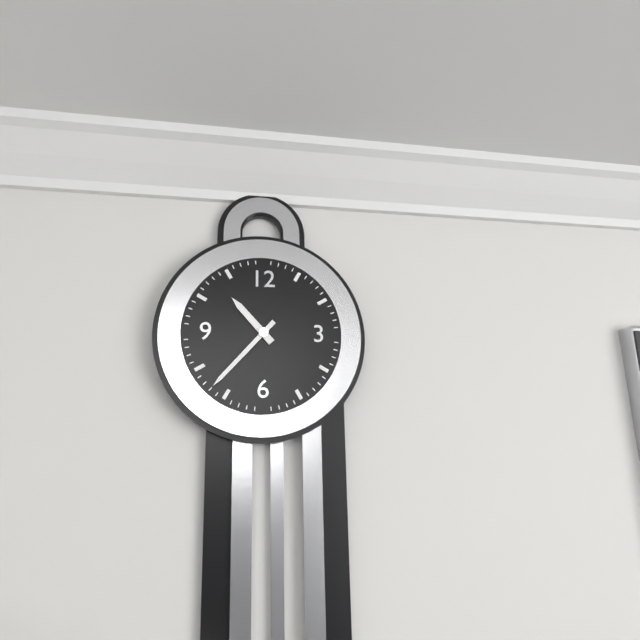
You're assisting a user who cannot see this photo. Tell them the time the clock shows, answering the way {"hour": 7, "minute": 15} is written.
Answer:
{"hour": 10, "minute": 37}
